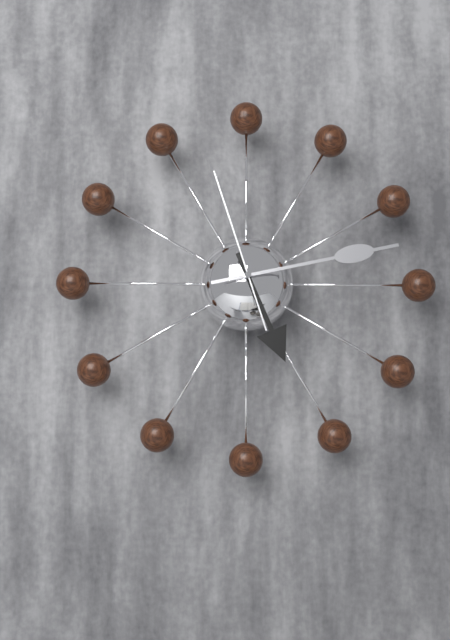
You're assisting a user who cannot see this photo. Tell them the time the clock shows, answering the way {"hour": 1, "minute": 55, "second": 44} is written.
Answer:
{"hour": 5, "minute": 13, "second": 57}
